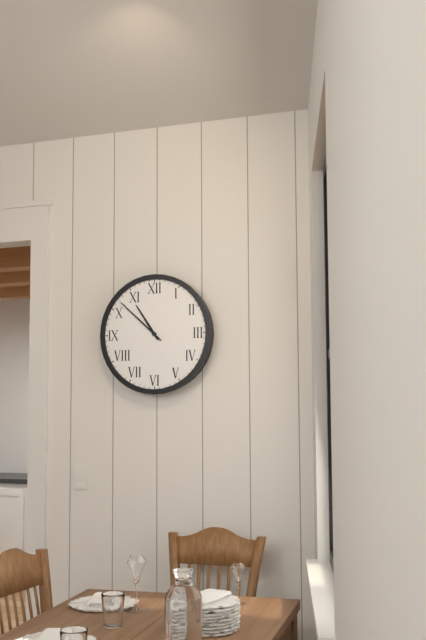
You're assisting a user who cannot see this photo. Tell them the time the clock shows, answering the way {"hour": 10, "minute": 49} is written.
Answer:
{"hour": 10, "minute": 52}
